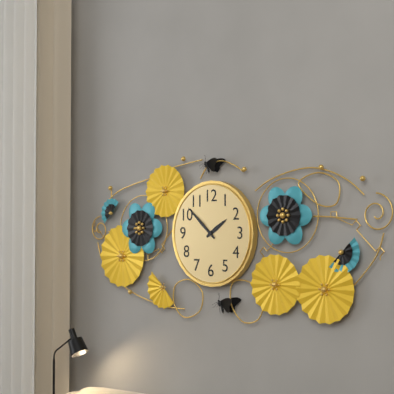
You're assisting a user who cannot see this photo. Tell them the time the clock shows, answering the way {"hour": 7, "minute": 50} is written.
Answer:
{"hour": 1, "minute": 52}
